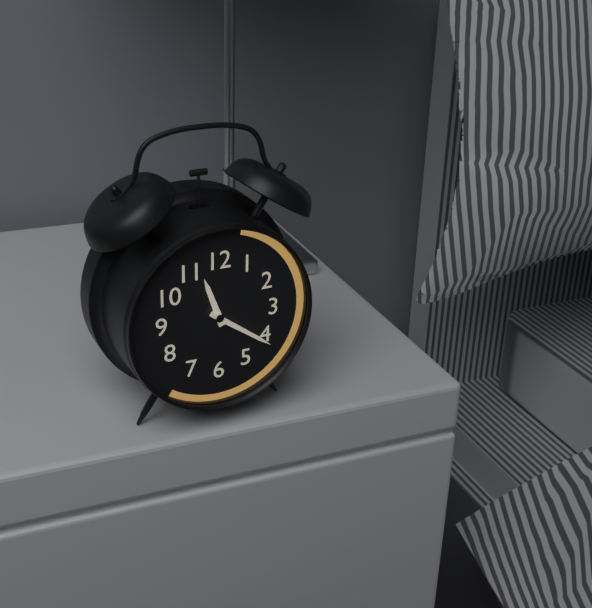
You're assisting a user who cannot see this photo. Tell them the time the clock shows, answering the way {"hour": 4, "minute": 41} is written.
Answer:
{"hour": 11, "minute": 21}
